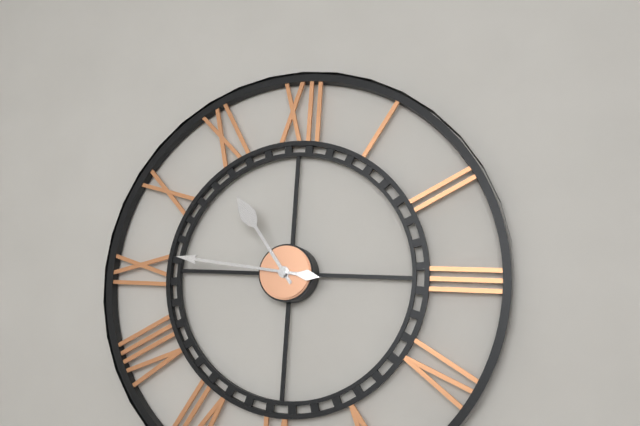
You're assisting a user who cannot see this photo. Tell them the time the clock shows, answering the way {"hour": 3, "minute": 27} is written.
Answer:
{"hour": 10, "minute": 46}
